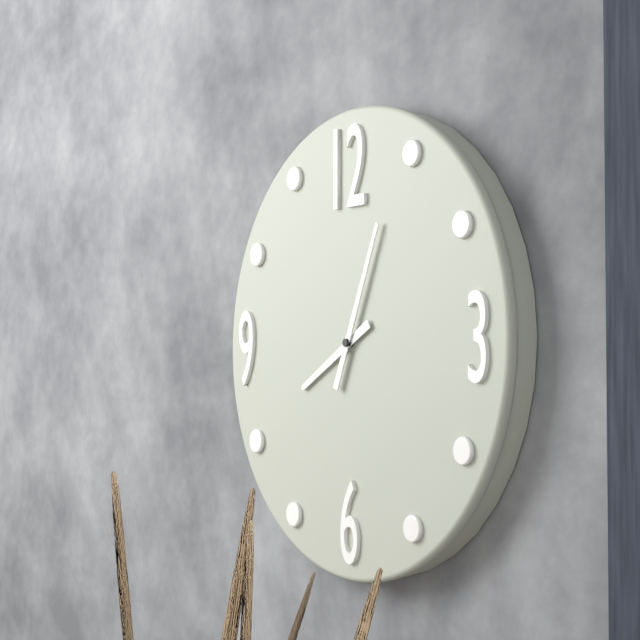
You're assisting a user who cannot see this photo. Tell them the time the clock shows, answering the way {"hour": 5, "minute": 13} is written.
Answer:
{"hour": 8, "minute": 4}
